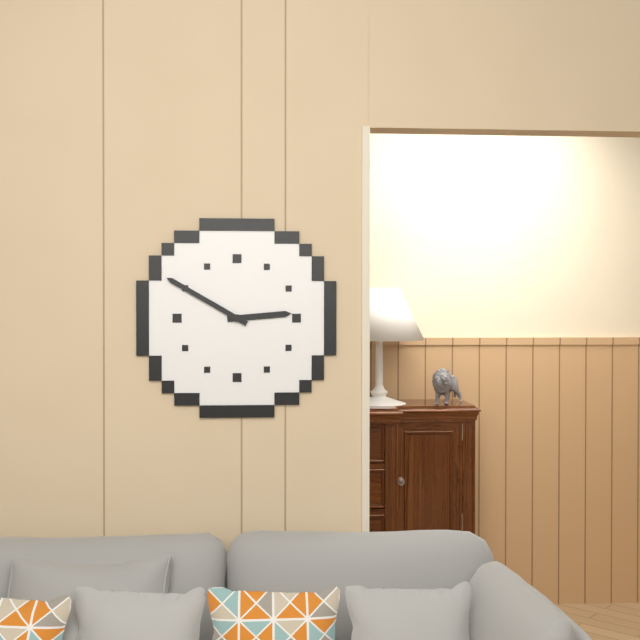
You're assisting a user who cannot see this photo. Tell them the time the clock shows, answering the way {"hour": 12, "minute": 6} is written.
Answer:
{"hour": 2, "minute": 50}
